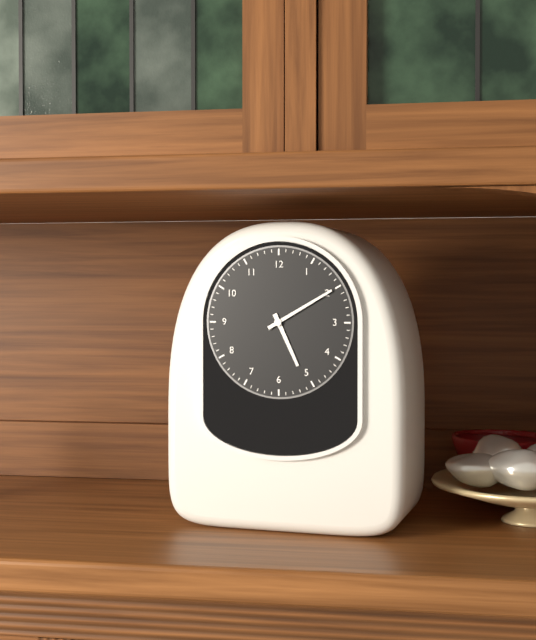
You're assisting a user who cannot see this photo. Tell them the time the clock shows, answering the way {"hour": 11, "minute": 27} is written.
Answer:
{"hour": 5, "minute": 10}
